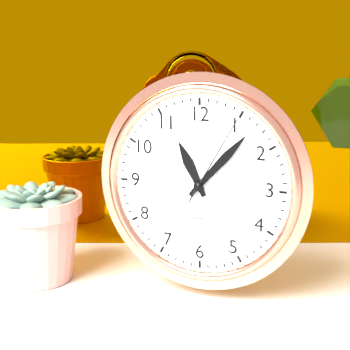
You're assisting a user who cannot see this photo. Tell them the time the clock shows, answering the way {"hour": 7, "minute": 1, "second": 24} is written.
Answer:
{"hour": 11, "minute": 7, "second": 5}
